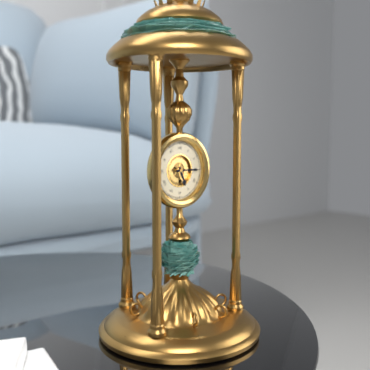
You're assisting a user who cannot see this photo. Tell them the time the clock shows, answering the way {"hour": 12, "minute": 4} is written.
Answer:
{"hour": 5, "minute": 15}
